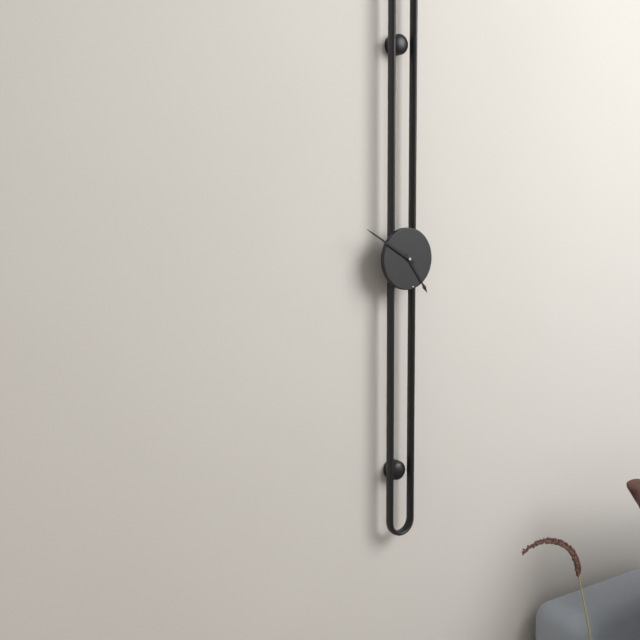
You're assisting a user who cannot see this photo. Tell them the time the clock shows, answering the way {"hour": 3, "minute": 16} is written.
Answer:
{"hour": 4, "minute": 50}
